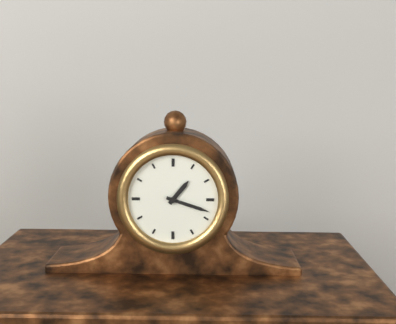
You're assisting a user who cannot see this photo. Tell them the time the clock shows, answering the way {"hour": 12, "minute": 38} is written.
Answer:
{"hour": 1, "minute": 18}
